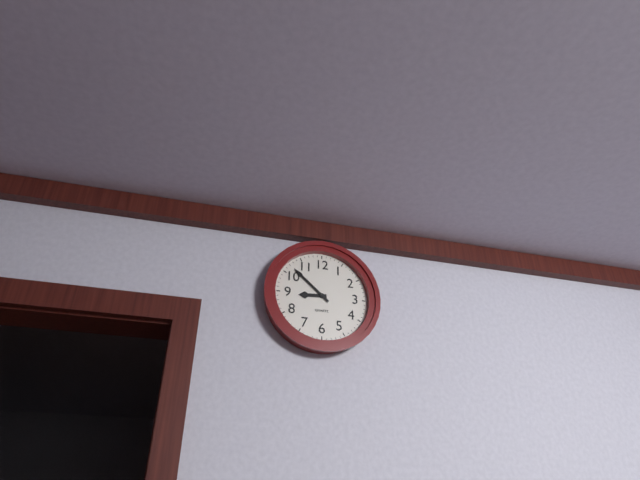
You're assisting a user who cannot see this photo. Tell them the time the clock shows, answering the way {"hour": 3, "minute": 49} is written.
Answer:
{"hour": 8, "minute": 52}
